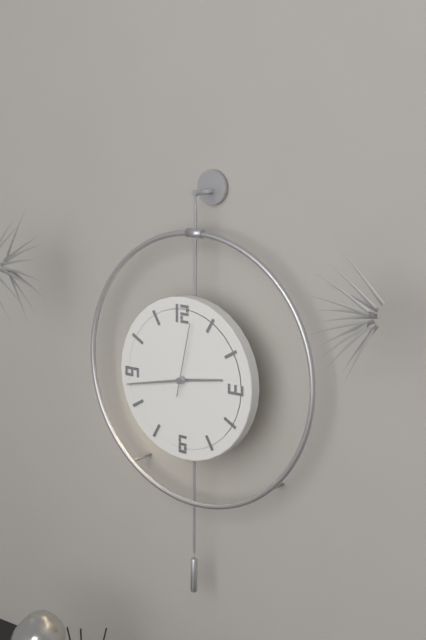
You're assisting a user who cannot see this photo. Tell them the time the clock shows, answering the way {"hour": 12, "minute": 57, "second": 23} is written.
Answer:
{"hour": 2, "minute": 43, "second": 2}
